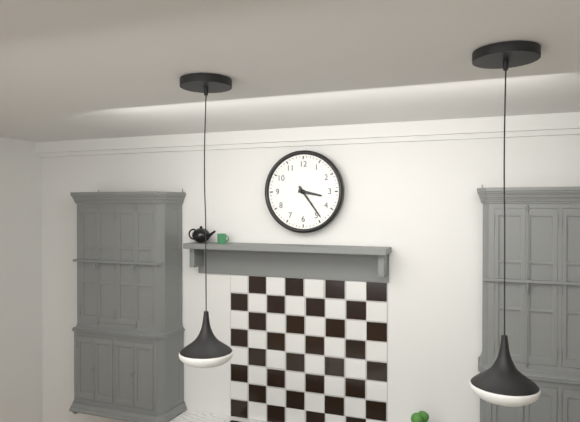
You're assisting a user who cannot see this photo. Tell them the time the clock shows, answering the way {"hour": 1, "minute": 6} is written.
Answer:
{"hour": 3, "minute": 24}
